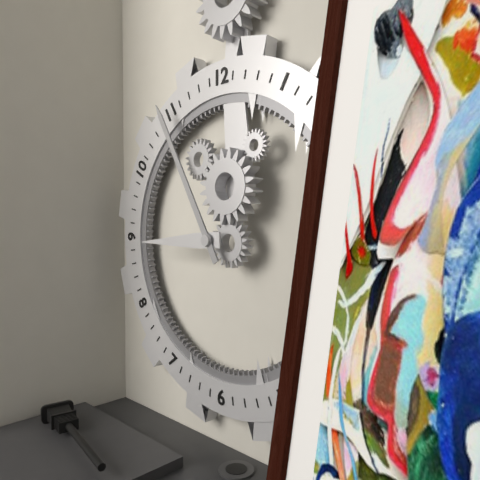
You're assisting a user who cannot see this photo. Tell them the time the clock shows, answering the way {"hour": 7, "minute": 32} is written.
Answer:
{"hour": 8, "minute": 55}
